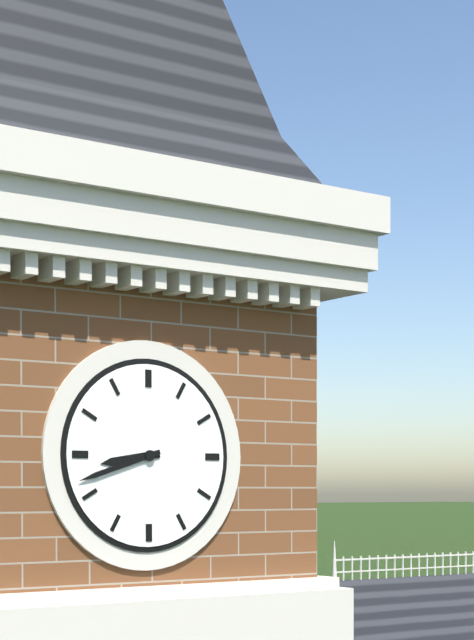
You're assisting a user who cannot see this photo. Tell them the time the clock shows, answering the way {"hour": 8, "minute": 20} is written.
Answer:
{"hour": 8, "minute": 42}
